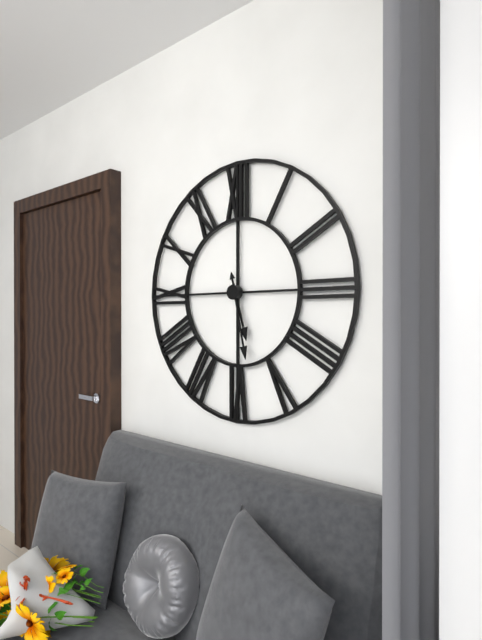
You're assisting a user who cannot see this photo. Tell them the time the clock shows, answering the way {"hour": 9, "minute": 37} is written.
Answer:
{"hour": 5, "minute": 28}
